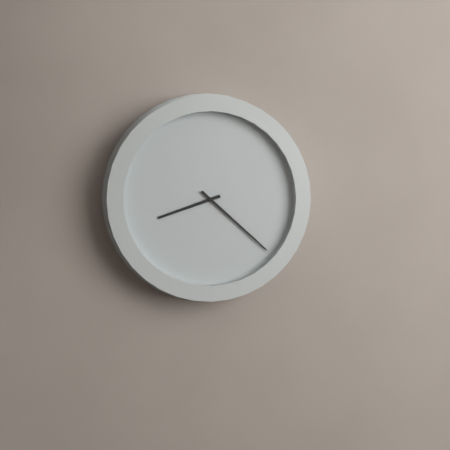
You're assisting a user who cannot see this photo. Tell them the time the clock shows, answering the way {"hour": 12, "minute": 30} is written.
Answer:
{"hour": 8, "minute": 22}
